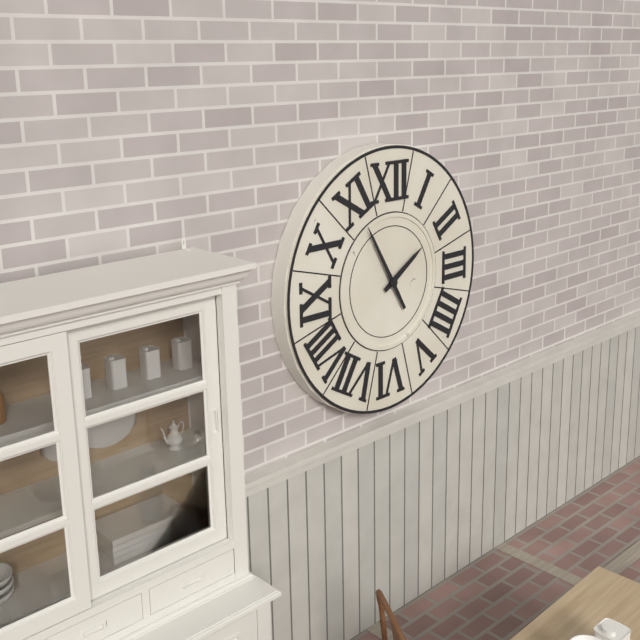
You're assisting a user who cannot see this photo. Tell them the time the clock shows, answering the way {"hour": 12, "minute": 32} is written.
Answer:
{"hour": 1, "minute": 55}
